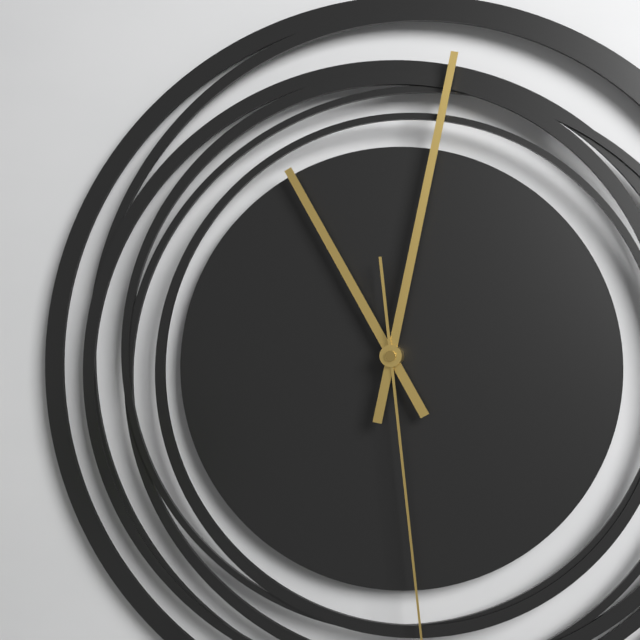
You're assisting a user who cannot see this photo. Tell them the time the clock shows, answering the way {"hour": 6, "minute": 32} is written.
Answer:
{"hour": 11, "minute": 2}
